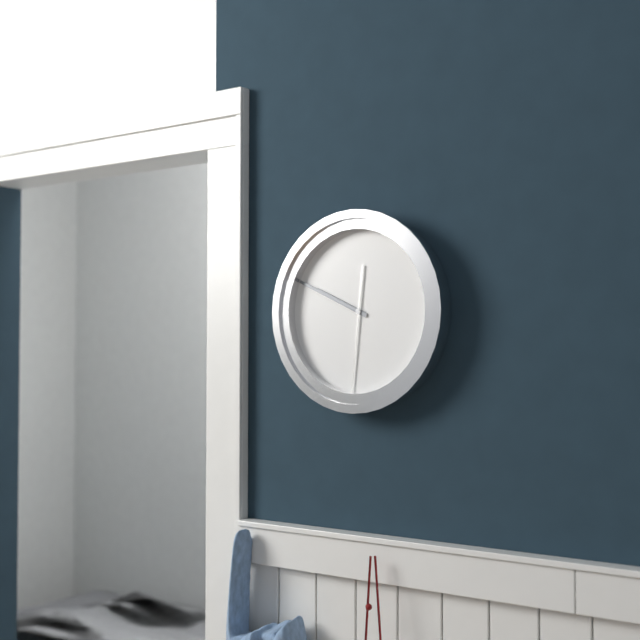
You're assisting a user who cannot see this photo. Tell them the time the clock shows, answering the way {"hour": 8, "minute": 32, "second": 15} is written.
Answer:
{"hour": 9, "minute": 49, "second": 31}
